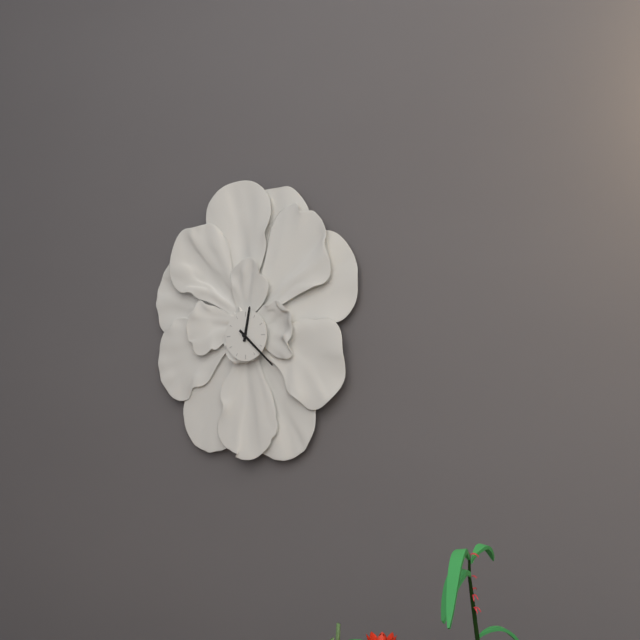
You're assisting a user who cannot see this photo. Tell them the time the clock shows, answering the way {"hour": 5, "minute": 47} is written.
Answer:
{"hour": 12, "minute": 22}
